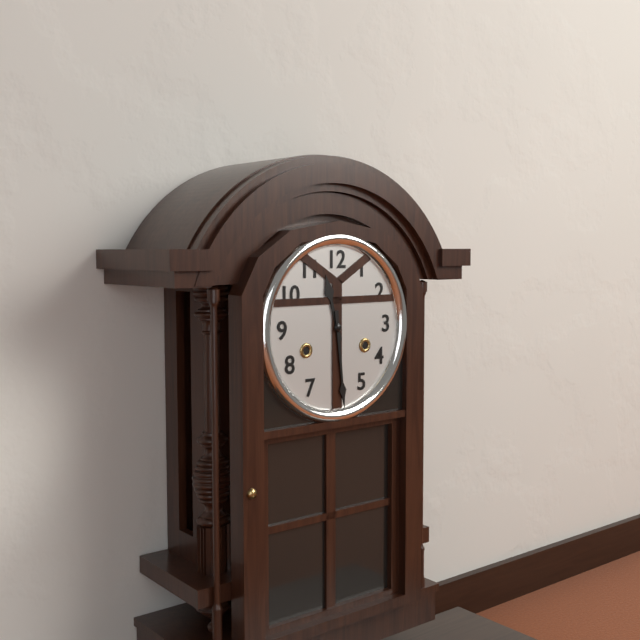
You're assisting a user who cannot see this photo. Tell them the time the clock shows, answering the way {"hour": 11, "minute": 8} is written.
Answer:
{"hour": 11, "minute": 29}
